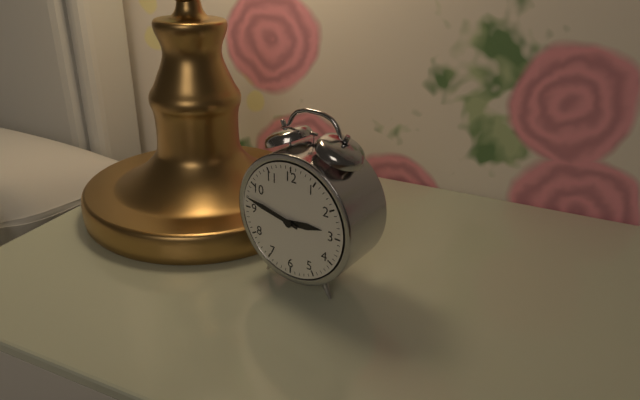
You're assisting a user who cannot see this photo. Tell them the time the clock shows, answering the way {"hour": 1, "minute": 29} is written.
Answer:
{"hour": 2, "minute": 47}
